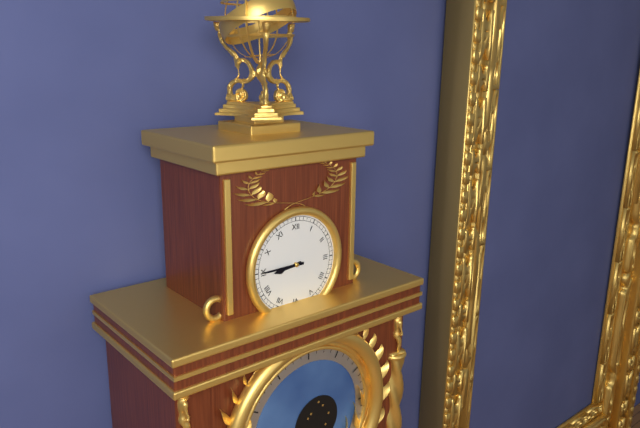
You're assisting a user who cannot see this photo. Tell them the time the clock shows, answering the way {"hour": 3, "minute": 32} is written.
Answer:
{"hour": 8, "minute": 45}
